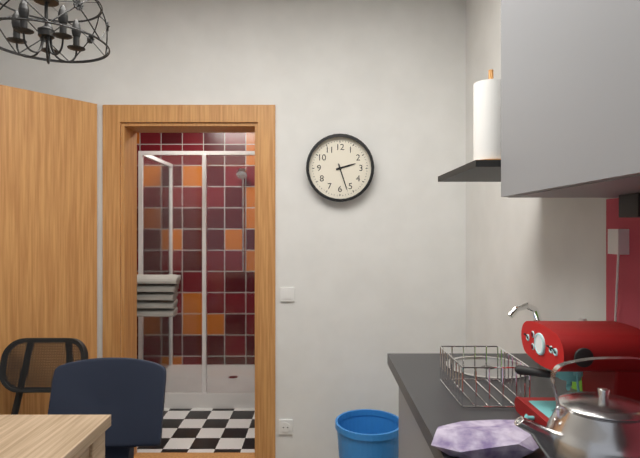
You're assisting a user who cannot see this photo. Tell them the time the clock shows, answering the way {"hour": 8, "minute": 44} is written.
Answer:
{"hour": 2, "minute": 27}
